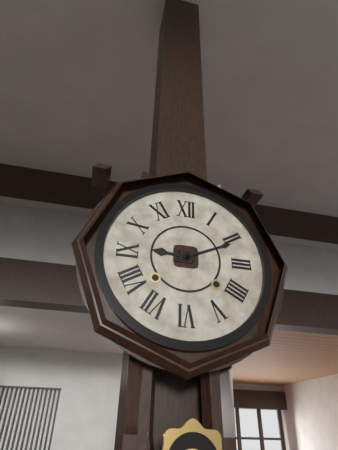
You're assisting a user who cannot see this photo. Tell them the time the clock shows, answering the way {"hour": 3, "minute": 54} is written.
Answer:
{"hour": 9, "minute": 11}
